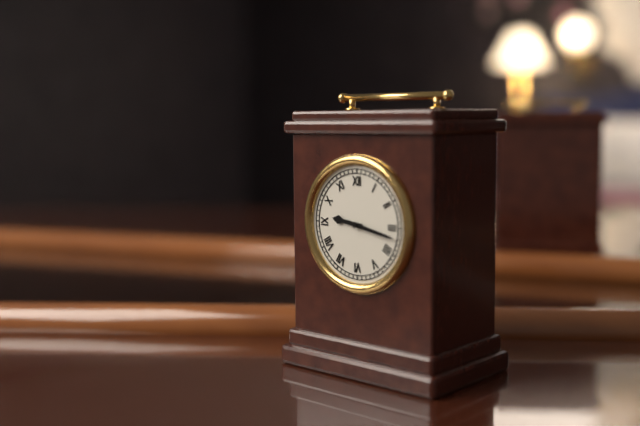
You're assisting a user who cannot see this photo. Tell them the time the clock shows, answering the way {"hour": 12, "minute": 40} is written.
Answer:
{"hour": 9, "minute": 17}
